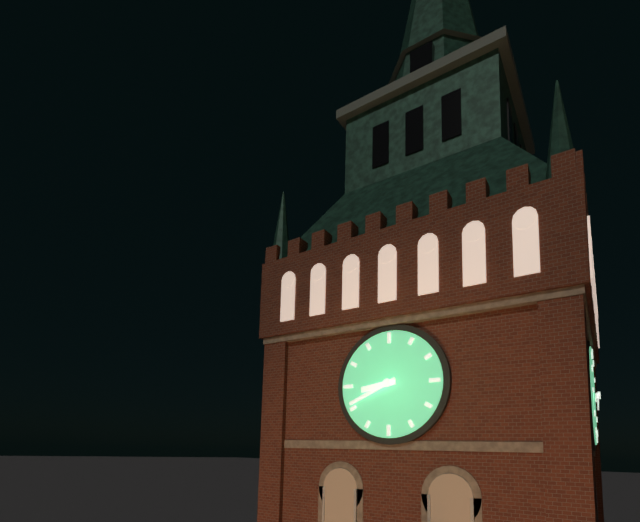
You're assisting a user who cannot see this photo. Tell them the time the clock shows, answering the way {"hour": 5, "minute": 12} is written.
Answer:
{"hour": 8, "minute": 41}
